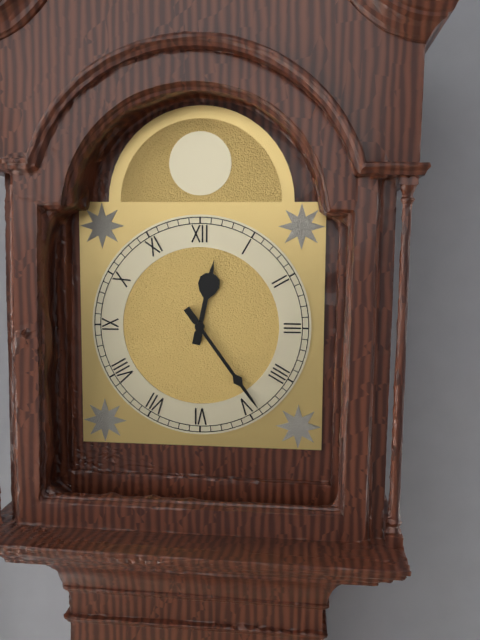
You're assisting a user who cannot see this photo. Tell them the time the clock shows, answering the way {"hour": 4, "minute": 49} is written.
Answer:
{"hour": 12, "minute": 24}
